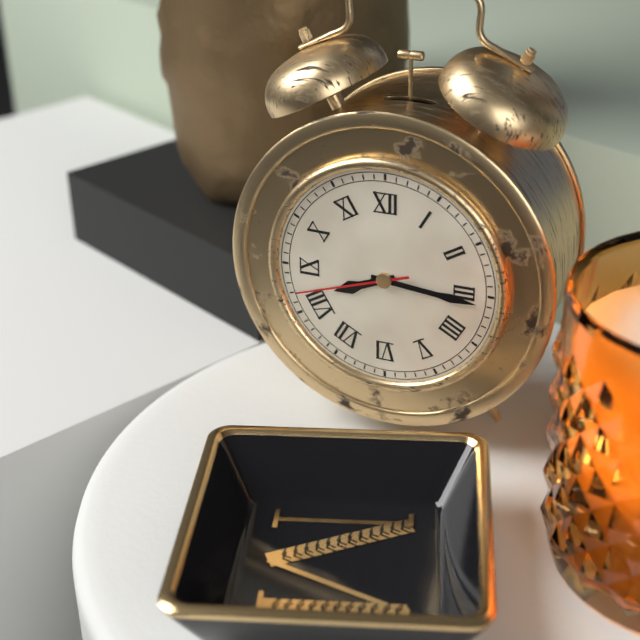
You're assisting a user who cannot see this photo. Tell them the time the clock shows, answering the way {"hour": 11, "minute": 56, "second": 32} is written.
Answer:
{"hour": 8, "minute": 16, "second": 42}
